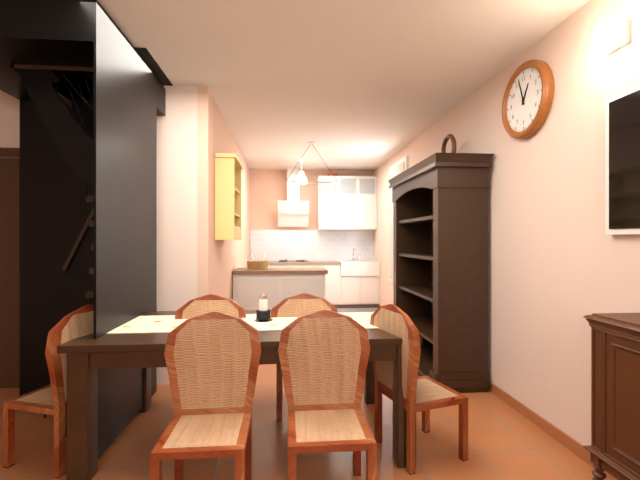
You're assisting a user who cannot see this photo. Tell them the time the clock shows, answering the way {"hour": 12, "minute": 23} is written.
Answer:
{"hour": 12, "minute": 57}
